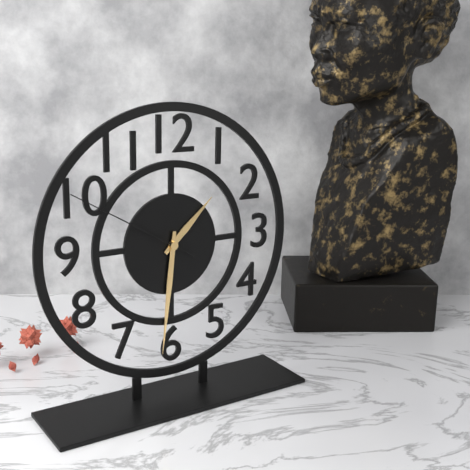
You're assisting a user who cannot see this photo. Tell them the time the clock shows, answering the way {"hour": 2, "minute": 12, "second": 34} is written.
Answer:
{"hour": 1, "minute": 31, "second": 50}
